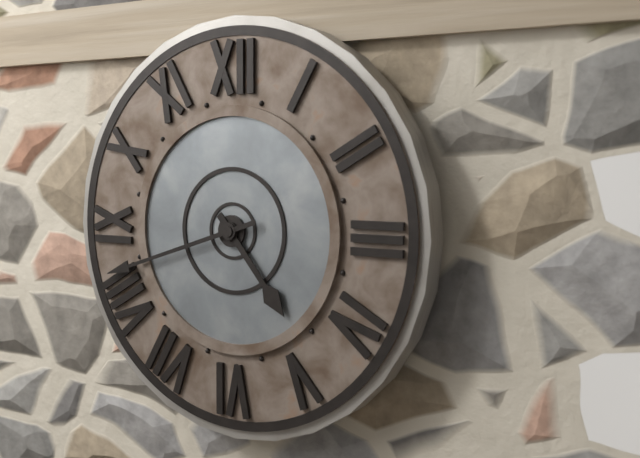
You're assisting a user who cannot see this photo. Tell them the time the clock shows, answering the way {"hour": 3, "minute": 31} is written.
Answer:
{"hour": 4, "minute": 42}
